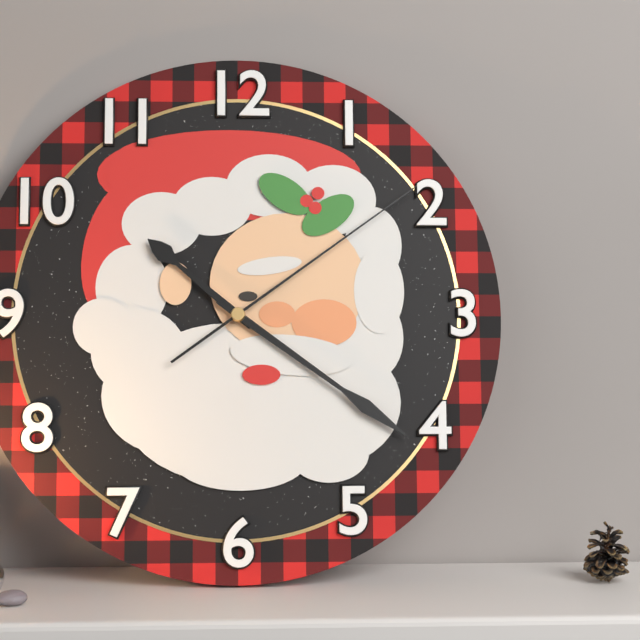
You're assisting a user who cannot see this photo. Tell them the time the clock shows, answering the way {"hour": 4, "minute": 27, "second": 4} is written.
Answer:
{"hour": 10, "minute": 21, "second": 9}
